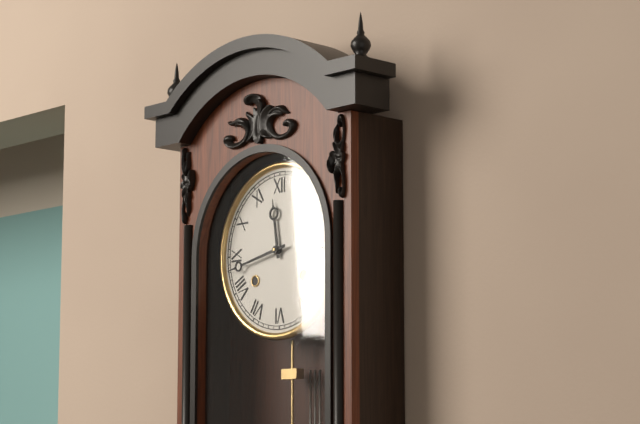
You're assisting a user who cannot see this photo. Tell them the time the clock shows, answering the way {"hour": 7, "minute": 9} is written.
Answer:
{"hour": 11, "minute": 43}
